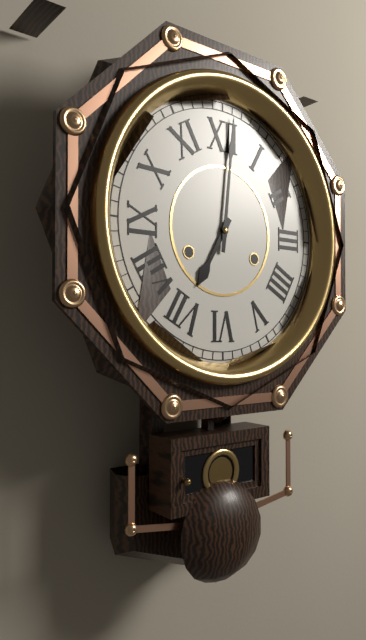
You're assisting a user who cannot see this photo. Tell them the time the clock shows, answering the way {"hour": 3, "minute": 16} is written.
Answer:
{"hour": 7, "minute": 1}
